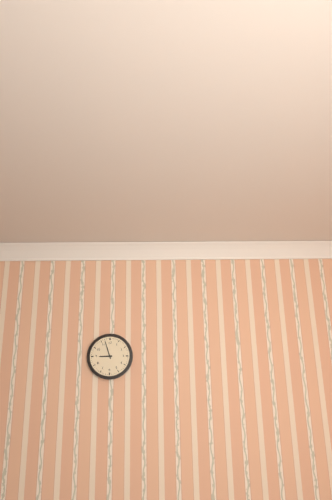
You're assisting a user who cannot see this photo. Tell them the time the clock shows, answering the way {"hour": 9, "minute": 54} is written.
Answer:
{"hour": 8, "minute": 57}
